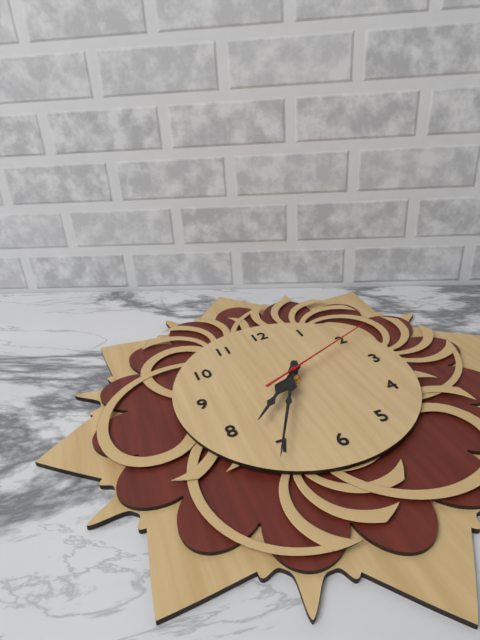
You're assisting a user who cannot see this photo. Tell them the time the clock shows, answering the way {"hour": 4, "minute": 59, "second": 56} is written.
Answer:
{"hour": 7, "minute": 35, "second": 11}
